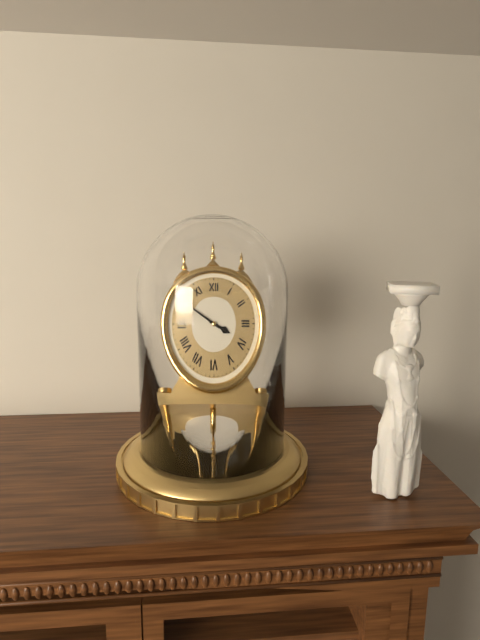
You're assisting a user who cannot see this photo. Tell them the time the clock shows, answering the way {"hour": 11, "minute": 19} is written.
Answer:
{"hour": 3, "minute": 50}
